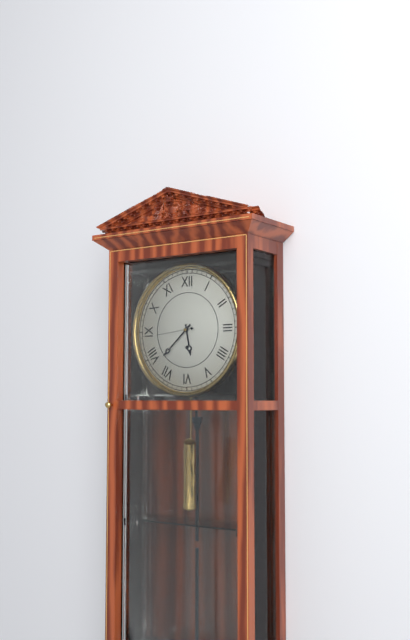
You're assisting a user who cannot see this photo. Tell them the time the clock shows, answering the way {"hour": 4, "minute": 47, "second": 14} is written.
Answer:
{"hour": 5, "minute": 38, "second": 44}
